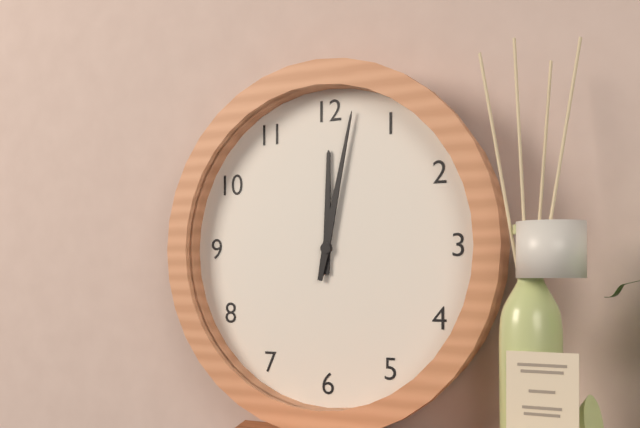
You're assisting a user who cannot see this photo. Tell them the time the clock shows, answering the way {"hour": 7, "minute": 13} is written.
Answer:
{"hour": 12, "minute": 2}
